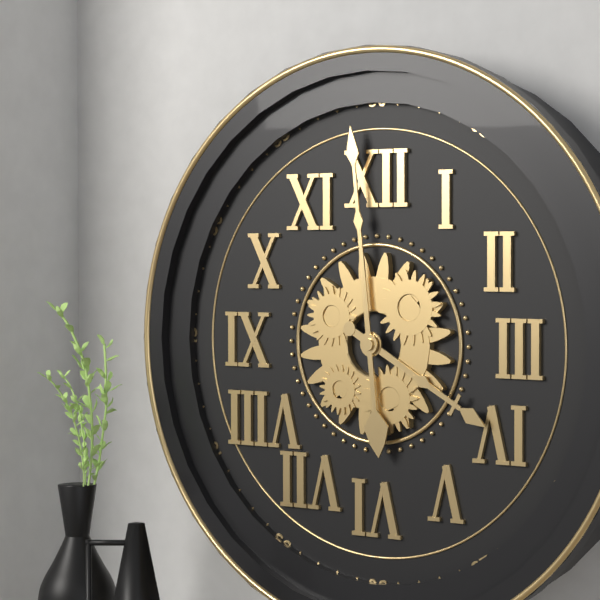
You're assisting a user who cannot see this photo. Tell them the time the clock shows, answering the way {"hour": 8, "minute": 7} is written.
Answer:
{"hour": 3, "minute": 59}
